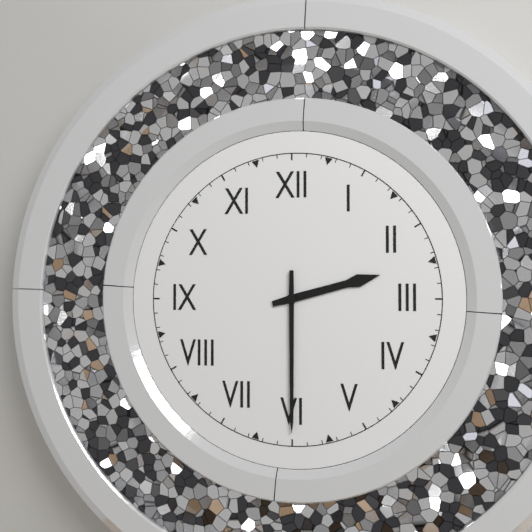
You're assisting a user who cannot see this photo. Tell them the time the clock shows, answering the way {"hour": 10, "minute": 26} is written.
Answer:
{"hour": 2, "minute": 30}
